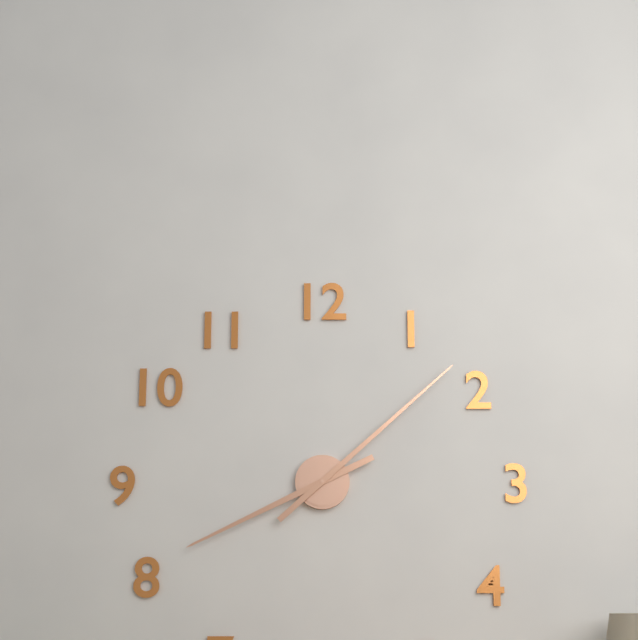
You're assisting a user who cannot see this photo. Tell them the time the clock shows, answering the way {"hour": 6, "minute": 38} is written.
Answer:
{"hour": 8, "minute": 8}
